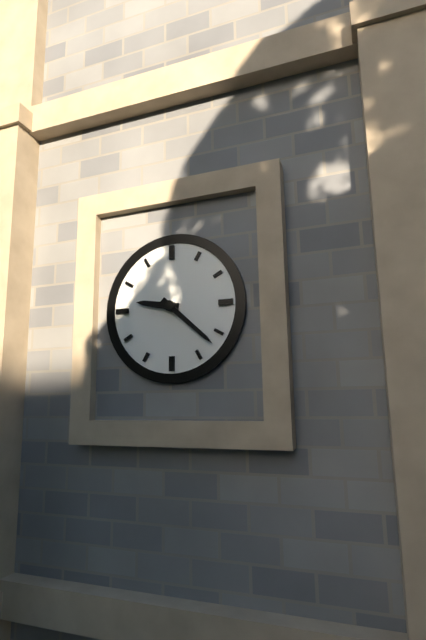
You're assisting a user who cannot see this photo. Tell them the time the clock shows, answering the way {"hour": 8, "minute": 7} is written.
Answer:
{"hour": 9, "minute": 22}
